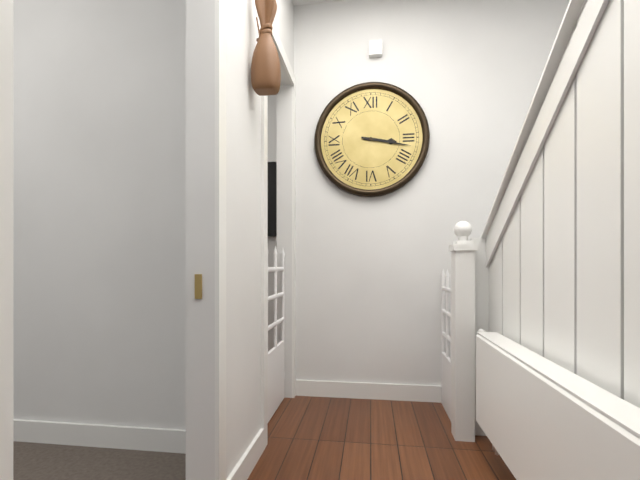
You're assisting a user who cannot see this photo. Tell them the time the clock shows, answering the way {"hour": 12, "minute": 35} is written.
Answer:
{"hour": 3, "minute": 17}
